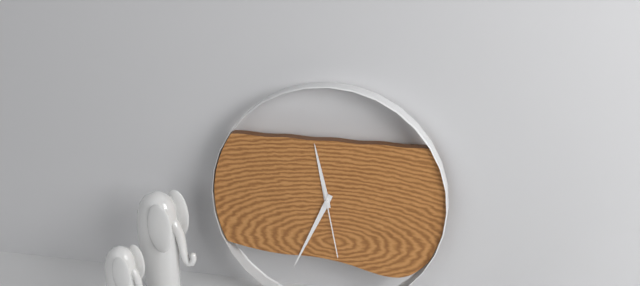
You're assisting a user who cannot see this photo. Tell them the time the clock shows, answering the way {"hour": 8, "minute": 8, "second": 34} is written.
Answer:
{"hour": 11, "minute": 34, "second": 28}
